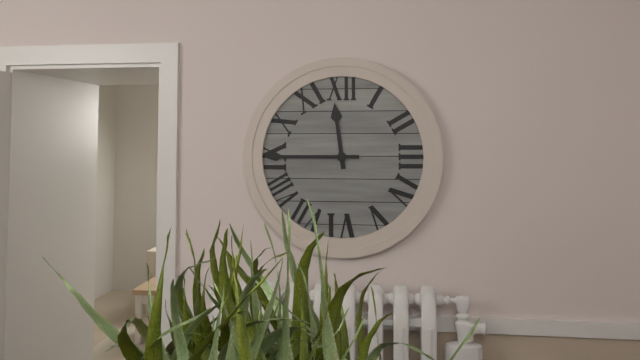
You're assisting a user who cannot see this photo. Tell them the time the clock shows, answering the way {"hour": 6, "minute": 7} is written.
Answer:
{"hour": 11, "minute": 45}
